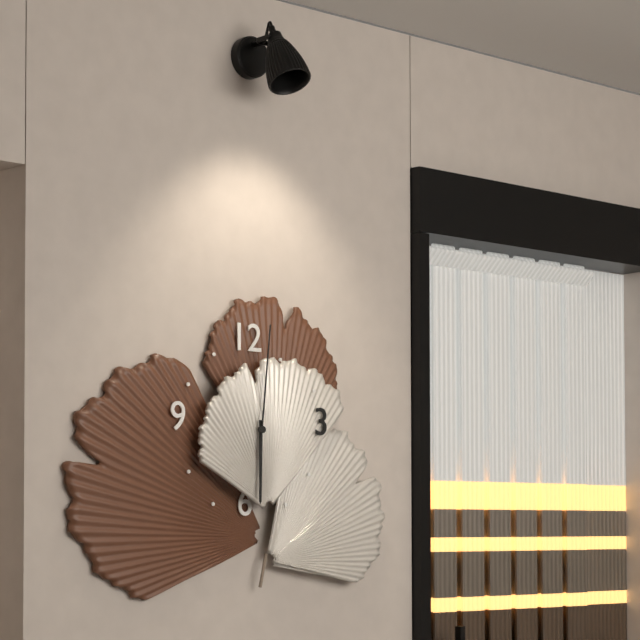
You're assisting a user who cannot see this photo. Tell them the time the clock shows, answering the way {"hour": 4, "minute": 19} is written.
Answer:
{"hour": 6, "minute": 1}
